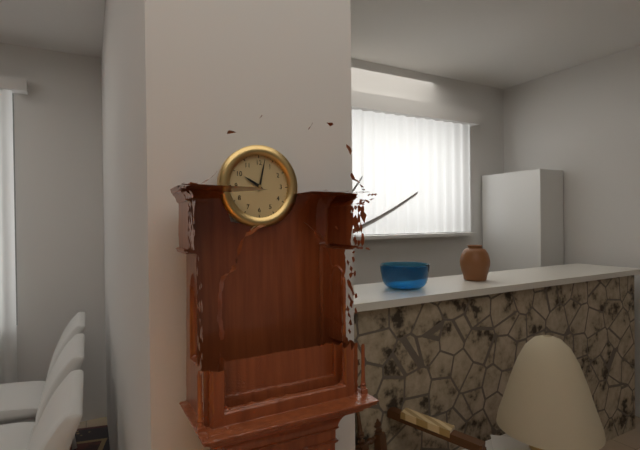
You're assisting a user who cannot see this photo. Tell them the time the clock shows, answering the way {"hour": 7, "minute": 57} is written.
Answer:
{"hour": 10, "minute": 2}
